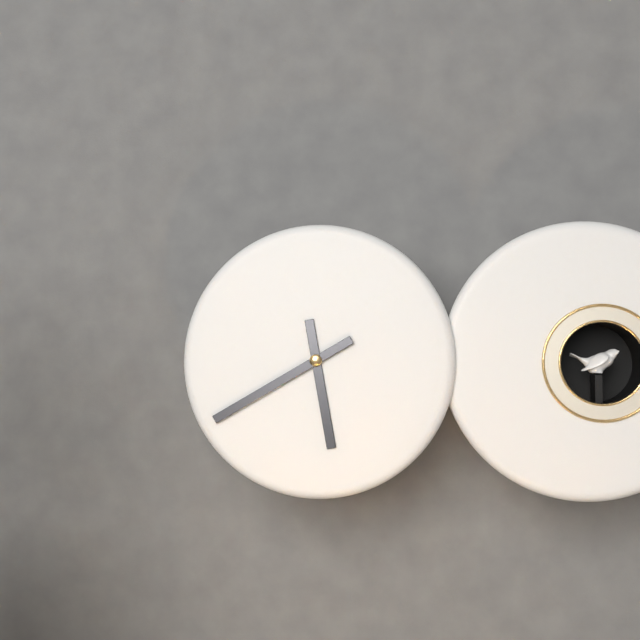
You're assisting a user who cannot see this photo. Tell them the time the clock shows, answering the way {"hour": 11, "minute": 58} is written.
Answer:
{"hour": 5, "minute": 40}
